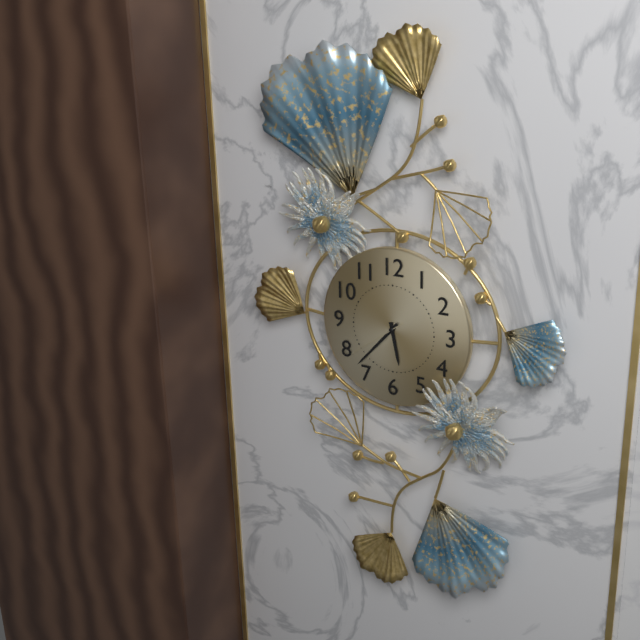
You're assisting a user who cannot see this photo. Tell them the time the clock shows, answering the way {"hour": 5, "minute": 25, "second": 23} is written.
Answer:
{"hour": 5, "minute": 37, "second": 39}
